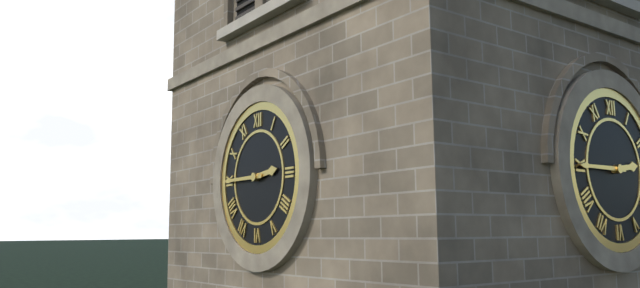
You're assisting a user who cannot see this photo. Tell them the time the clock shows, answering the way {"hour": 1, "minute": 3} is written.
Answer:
{"hour": 2, "minute": 45}
